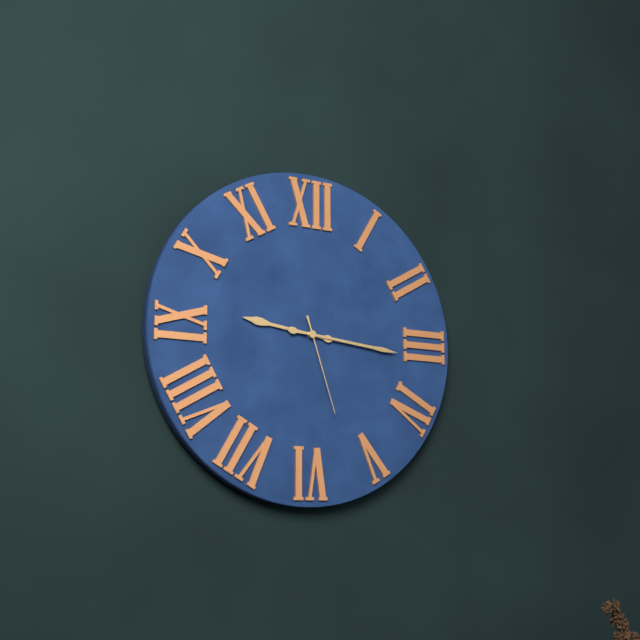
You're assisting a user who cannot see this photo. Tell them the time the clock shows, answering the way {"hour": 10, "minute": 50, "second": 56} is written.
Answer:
{"hour": 9, "minute": 16, "second": 27}
